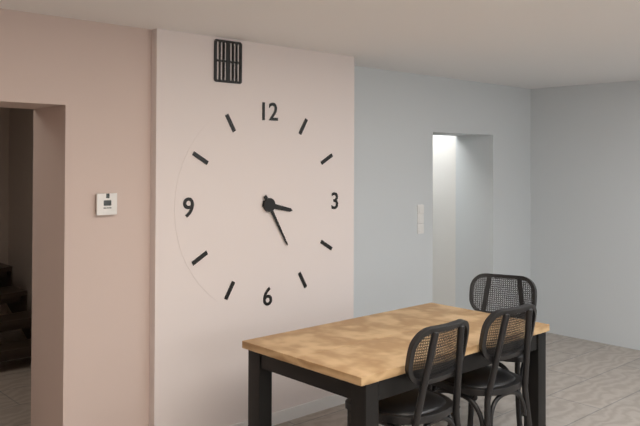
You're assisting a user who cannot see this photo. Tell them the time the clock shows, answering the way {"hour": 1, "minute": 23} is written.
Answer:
{"hour": 3, "minute": 25}
